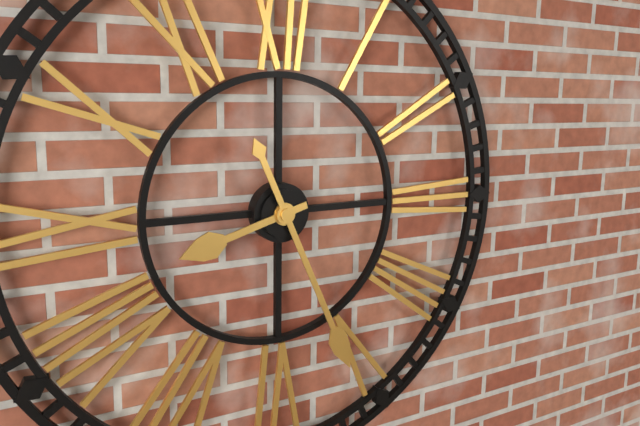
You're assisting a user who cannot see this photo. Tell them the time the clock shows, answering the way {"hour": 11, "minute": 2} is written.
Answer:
{"hour": 8, "minute": 26}
